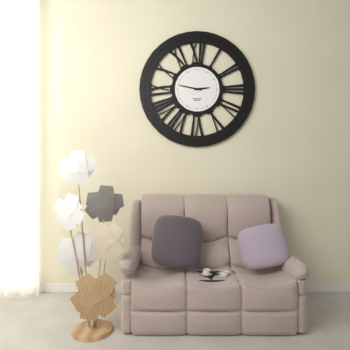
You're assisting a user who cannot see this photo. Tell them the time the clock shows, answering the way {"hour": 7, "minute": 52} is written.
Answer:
{"hour": 2, "minute": 47}
